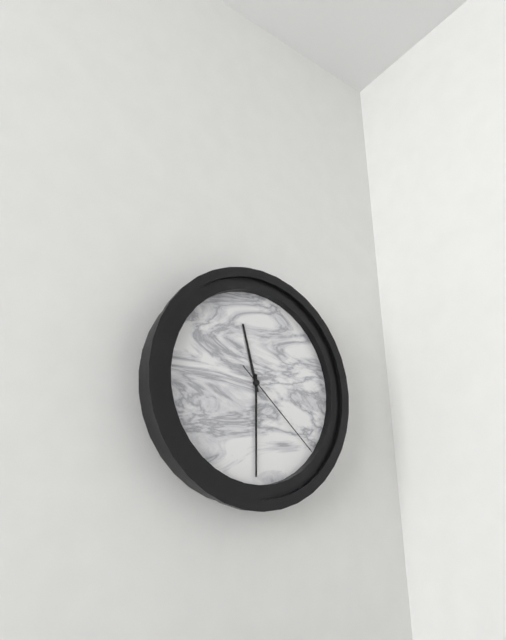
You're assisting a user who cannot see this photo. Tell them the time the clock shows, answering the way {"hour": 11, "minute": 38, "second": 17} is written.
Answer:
{"hour": 11, "minute": 30, "second": 22}
